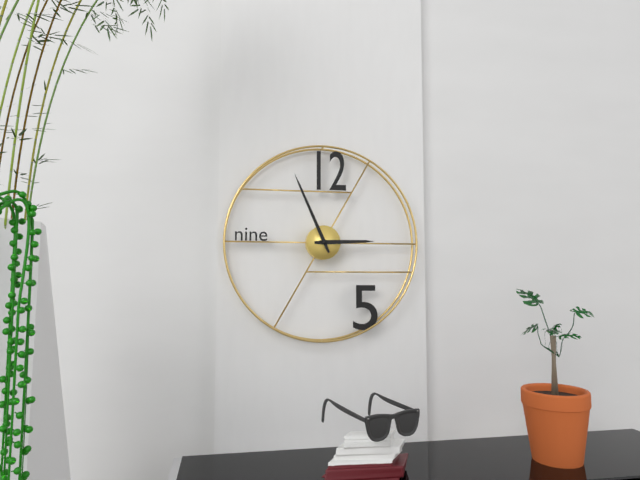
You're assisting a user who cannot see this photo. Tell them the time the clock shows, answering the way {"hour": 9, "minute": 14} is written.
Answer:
{"hour": 2, "minute": 56}
